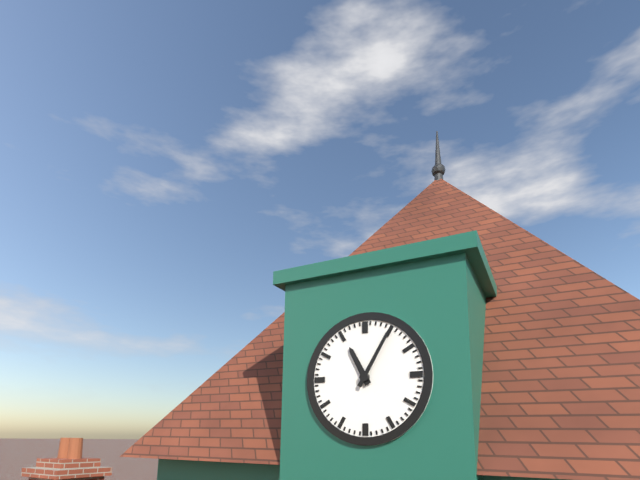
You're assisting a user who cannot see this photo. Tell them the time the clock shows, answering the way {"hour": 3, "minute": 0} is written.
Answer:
{"hour": 11, "minute": 5}
